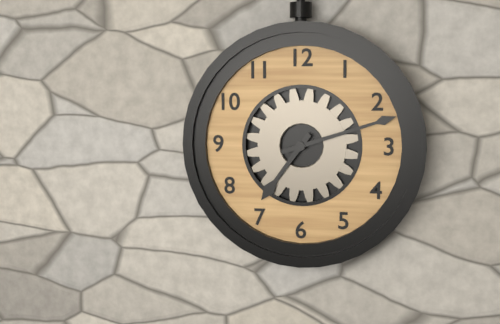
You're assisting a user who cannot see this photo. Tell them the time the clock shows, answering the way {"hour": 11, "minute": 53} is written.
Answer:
{"hour": 7, "minute": 12}
